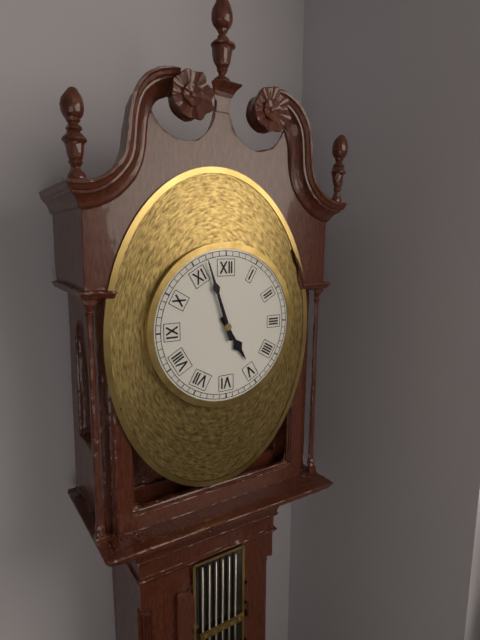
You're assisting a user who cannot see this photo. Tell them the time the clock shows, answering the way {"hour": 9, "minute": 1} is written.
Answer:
{"hour": 4, "minute": 57}
